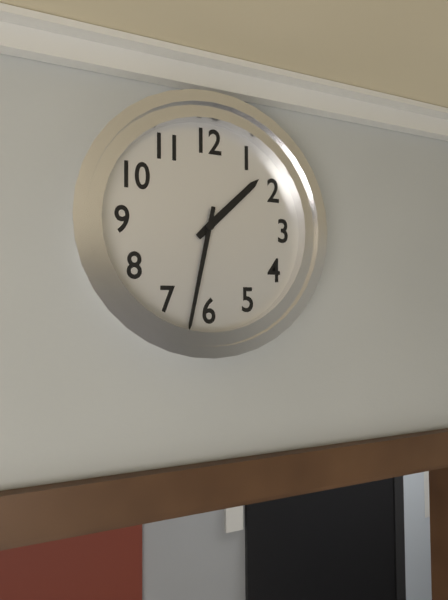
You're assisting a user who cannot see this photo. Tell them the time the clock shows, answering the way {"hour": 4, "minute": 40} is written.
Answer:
{"hour": 1, "minute": 32}
